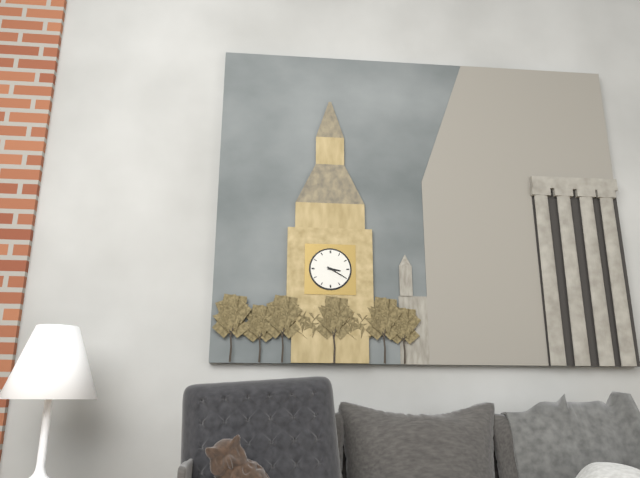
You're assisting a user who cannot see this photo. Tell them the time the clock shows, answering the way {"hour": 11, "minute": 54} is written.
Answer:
{"hour": 3, "minute": 20}
